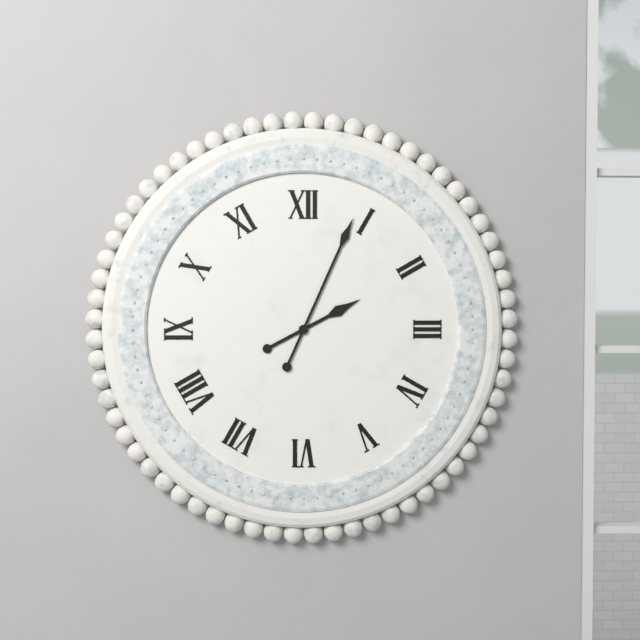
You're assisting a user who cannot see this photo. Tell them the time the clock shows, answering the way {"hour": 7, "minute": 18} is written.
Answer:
{"hour": 2, "minute": 4}
